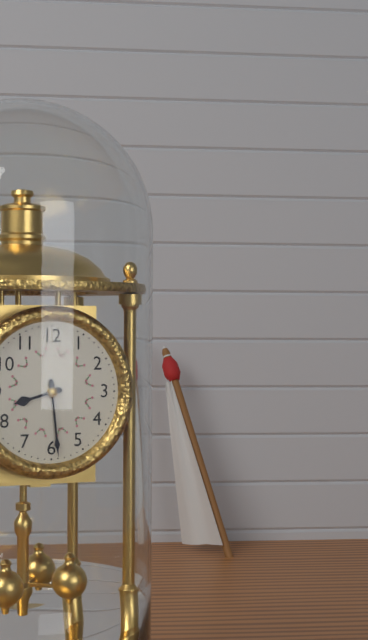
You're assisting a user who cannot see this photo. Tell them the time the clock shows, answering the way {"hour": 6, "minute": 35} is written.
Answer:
{"hour": 8, "minute": 29}
